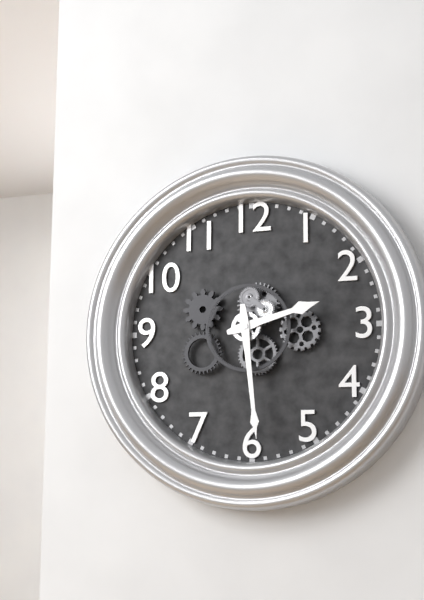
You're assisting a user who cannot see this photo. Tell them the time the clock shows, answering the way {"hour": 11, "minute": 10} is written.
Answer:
{"hour": 2, "minute": 29}
